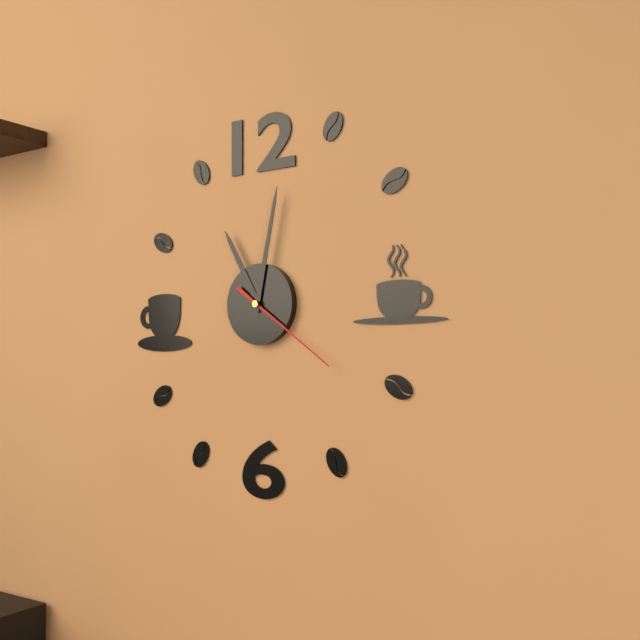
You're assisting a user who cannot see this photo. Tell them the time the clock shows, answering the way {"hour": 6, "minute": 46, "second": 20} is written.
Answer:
{"hour": 11, "minute": 2, "second": 21}
